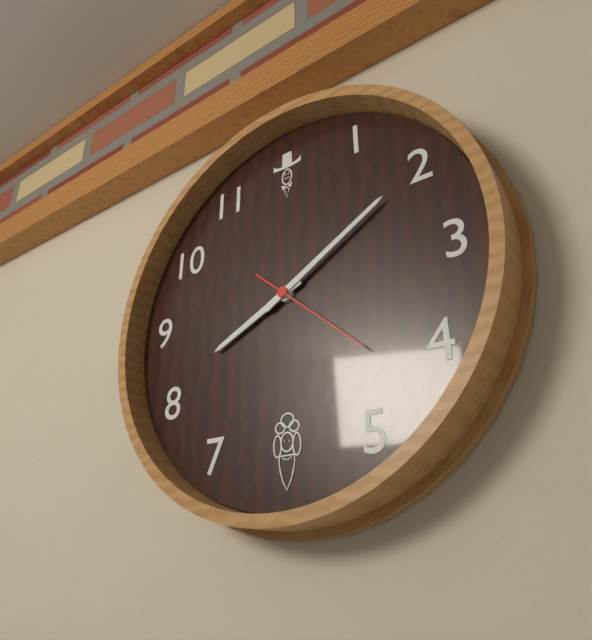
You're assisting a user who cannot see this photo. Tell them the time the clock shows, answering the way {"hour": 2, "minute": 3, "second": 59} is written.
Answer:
{"hour": 8, "minute": 10, "second": 22}
